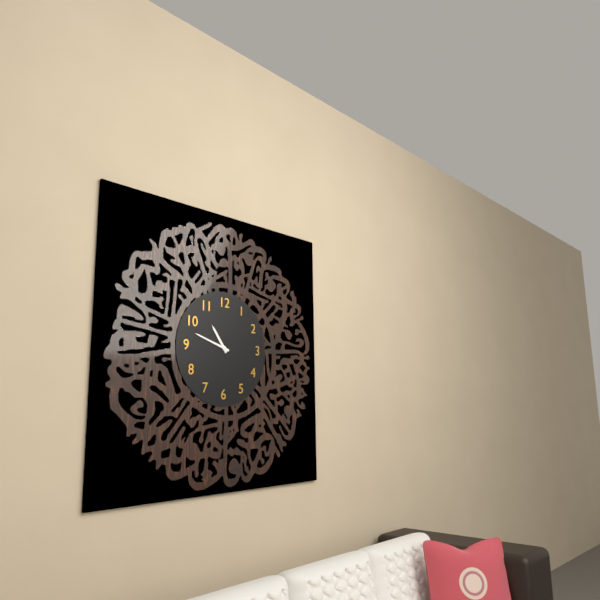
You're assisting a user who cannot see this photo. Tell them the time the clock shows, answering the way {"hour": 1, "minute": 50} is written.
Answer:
{"hour": 10, "minute": 48}
